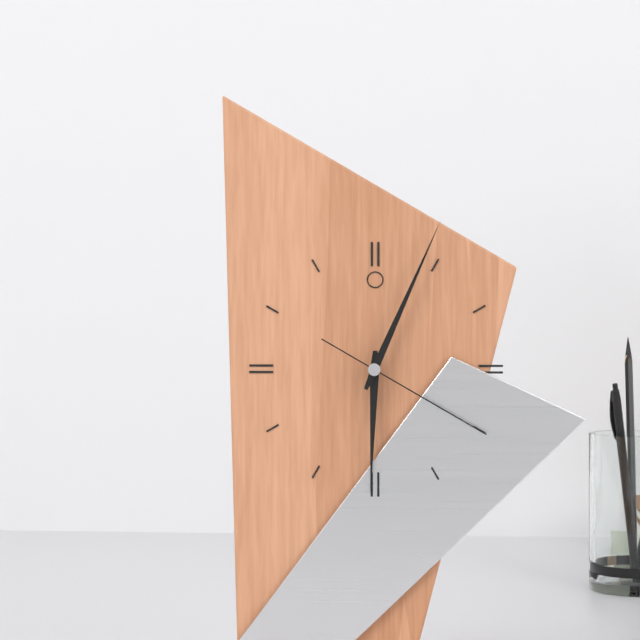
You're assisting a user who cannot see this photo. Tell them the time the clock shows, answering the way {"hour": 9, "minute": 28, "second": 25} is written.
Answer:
{"hour": 6, "minute": 4, "second": 20}
